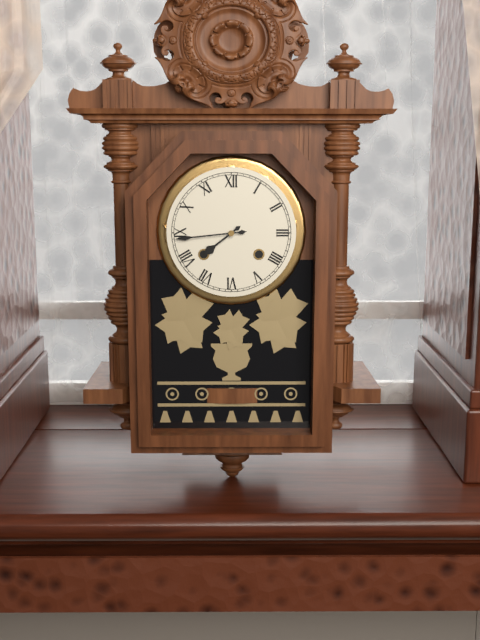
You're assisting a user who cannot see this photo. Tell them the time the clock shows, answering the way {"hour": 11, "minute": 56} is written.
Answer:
{"hour": 7, "minute": 44}
